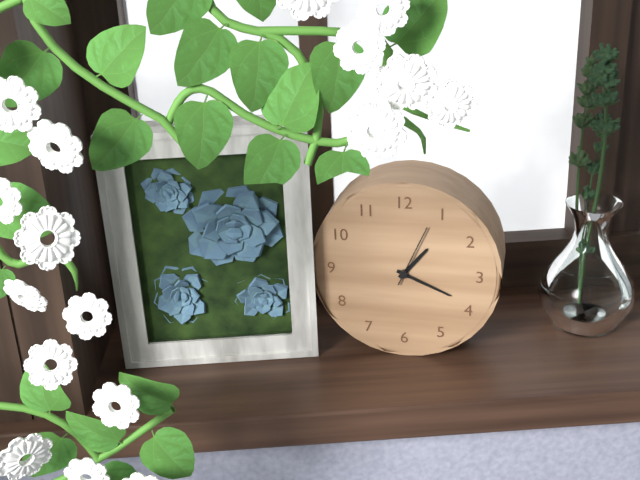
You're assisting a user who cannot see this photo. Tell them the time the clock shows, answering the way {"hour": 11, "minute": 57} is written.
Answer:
{"hour": 1, "minute": 19}
